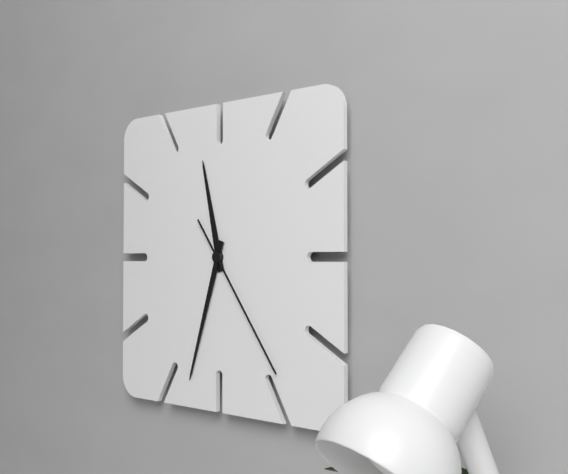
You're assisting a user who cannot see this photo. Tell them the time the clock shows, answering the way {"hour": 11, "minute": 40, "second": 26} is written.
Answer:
{"hour": 11, "minute": 33, "second": 24}
